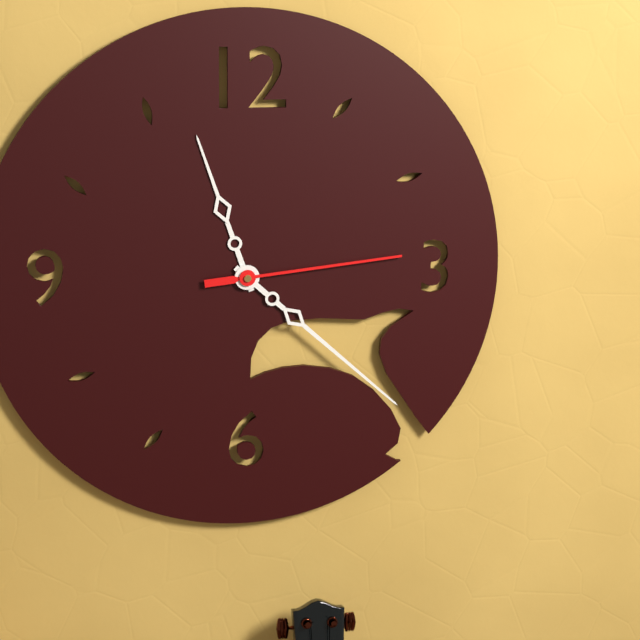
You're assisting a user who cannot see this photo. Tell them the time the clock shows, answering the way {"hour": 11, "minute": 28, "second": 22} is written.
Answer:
{"hour": 11, "minute": 22, "second": 14}
